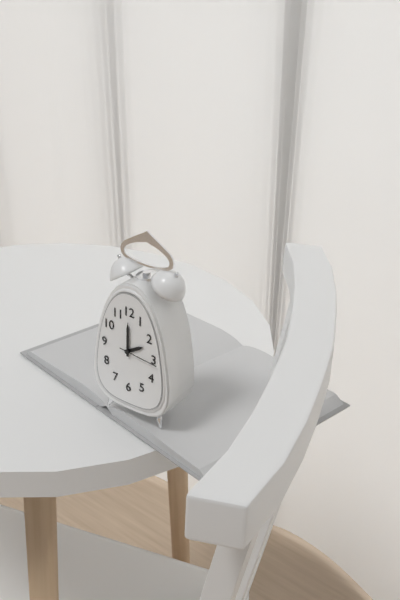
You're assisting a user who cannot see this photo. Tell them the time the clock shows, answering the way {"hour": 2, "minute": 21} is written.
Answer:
{"hour": 2, "minute": 0}
